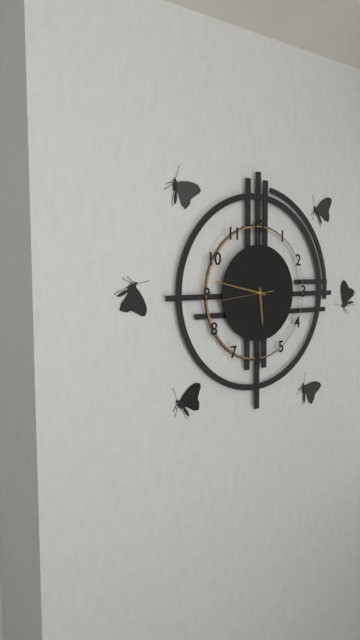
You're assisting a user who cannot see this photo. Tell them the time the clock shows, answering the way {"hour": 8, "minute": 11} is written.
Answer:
{"hour": 5, "minute": 47}
